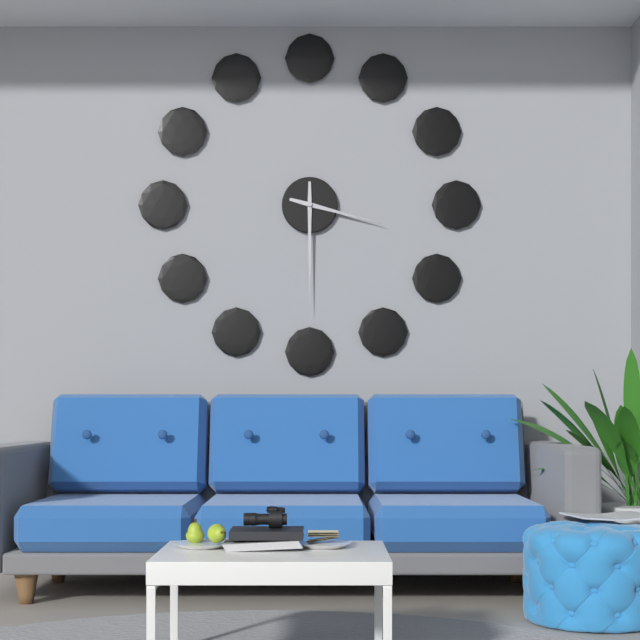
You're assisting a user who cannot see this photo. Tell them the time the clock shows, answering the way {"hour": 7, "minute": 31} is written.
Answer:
{"hour": 3, "minute": 30}
